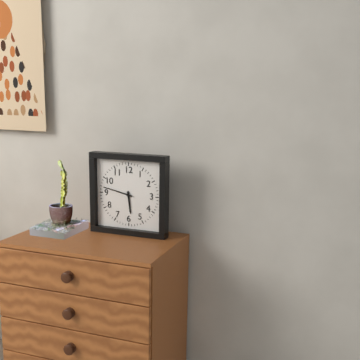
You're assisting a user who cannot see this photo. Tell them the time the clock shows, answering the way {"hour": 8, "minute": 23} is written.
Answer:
{"hour": 5, "minute": 47}
